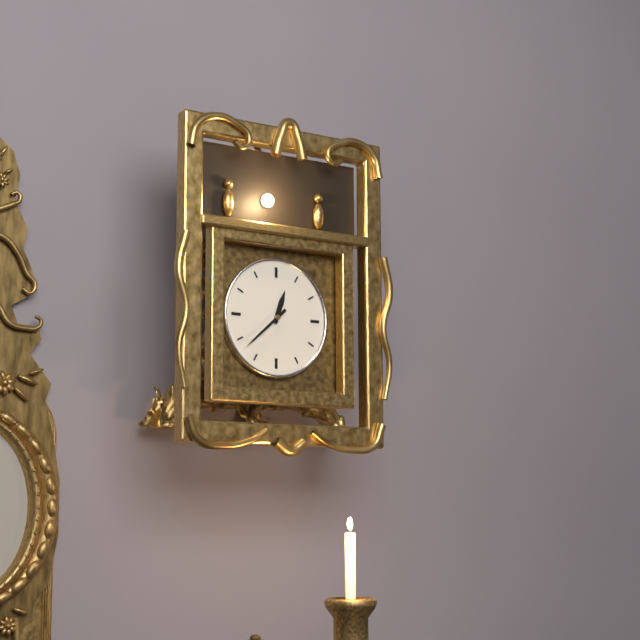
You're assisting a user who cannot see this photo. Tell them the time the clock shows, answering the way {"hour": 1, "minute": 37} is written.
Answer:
{"hour": 12, "minute": 38}
